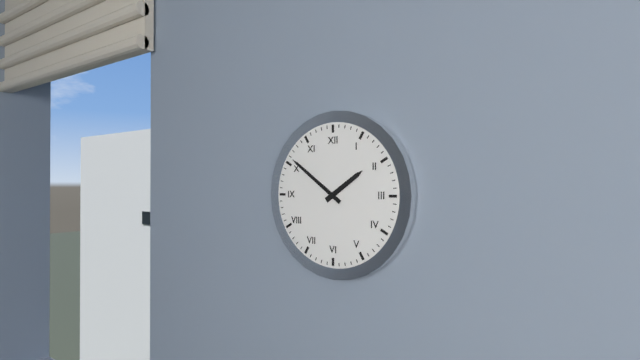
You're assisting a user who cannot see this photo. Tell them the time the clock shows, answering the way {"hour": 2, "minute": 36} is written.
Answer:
{"hour": 1, "minute": 51}
